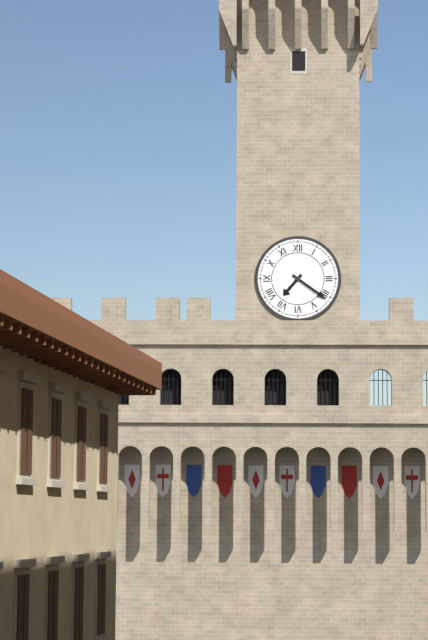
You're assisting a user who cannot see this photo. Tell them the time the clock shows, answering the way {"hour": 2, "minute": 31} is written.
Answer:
{"hour": 7, "minute": 21}
